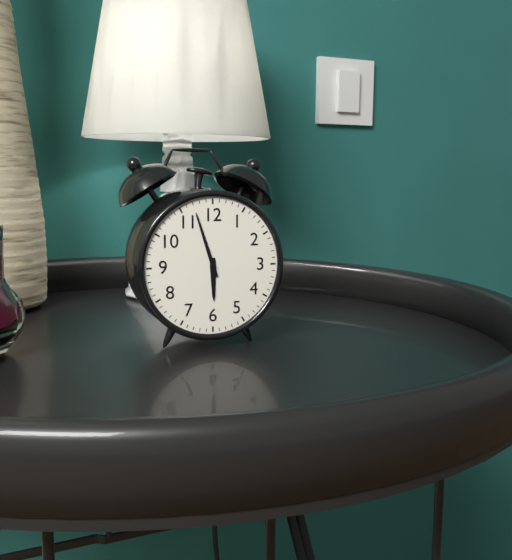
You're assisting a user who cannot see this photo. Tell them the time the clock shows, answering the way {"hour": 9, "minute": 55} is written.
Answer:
{"hour": 5, "minute": 57}
